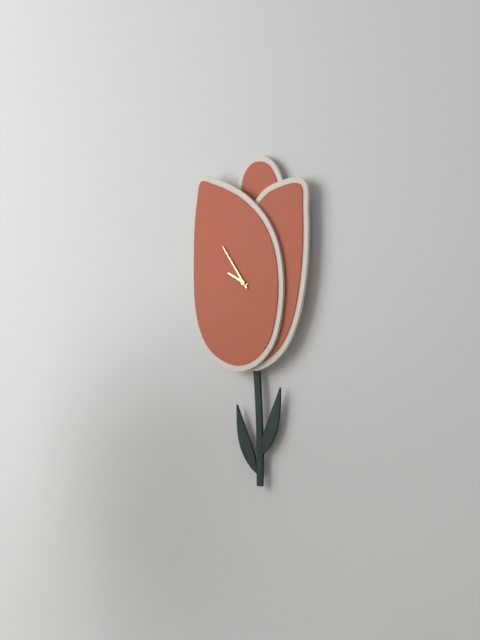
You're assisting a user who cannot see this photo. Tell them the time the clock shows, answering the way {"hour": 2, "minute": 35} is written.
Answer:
{"hour": 9, "minute": 54}
